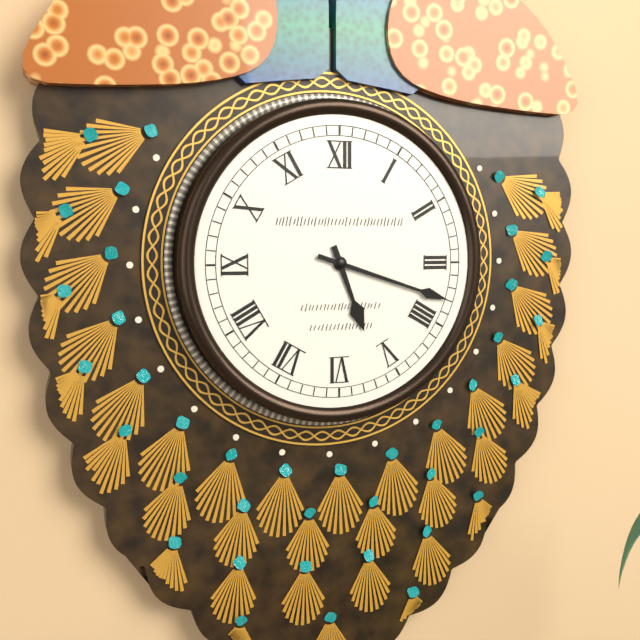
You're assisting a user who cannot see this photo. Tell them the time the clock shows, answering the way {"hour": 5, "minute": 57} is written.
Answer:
{"hour": 5, "minute": 18}
